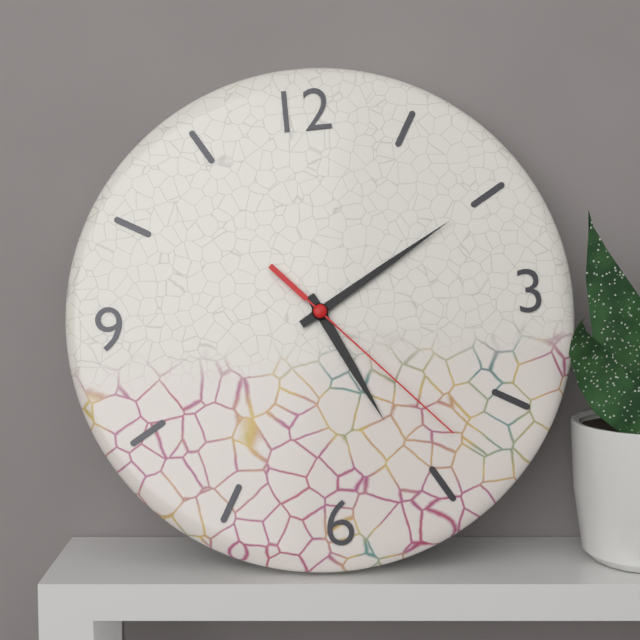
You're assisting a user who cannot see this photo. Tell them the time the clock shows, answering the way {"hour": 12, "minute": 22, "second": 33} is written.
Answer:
{"hour": 5, "minute": 10, "second": 23}
